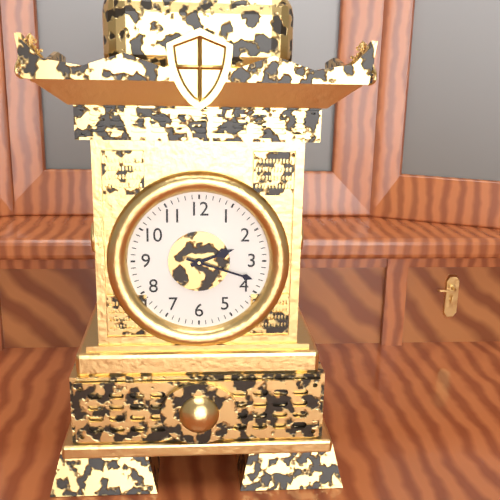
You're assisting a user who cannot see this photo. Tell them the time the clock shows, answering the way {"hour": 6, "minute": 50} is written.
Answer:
{"hour": 2, "minute": 18}
